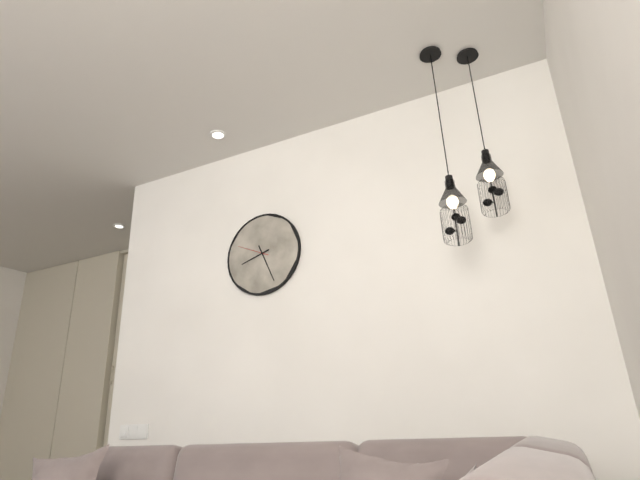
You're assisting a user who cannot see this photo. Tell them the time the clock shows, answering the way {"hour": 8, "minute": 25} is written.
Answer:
{"hour": 8, "minute": 26}
